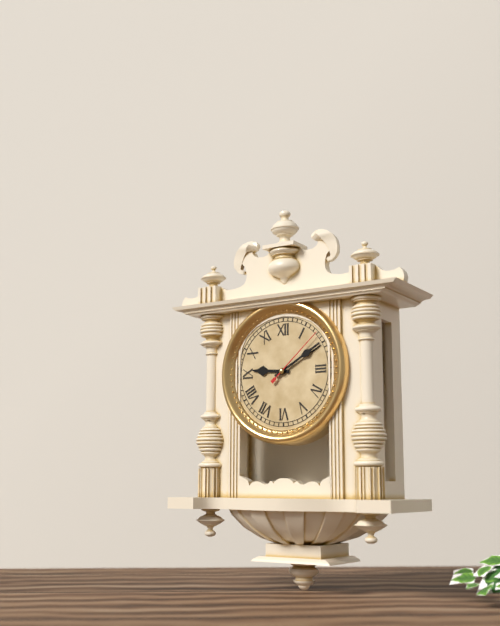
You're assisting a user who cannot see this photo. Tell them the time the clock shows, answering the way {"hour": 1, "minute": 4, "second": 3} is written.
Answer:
{"hour": 9, "minute": 10, "second": 8}
